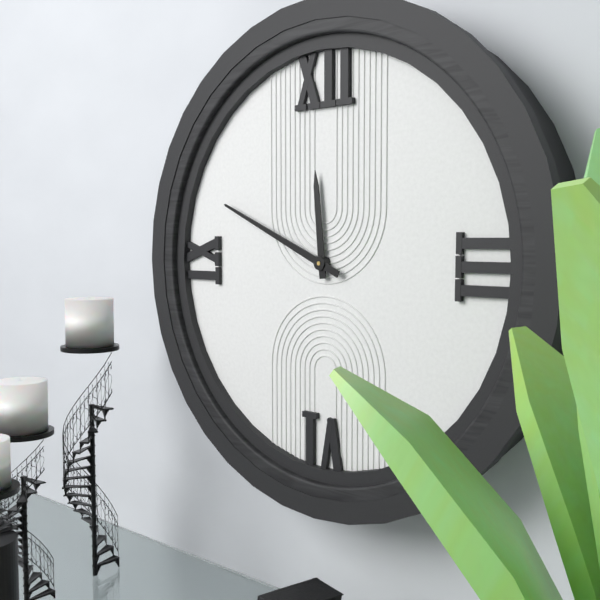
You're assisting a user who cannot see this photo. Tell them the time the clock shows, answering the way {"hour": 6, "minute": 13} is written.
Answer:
{"hour": 11, "minute": 49}
